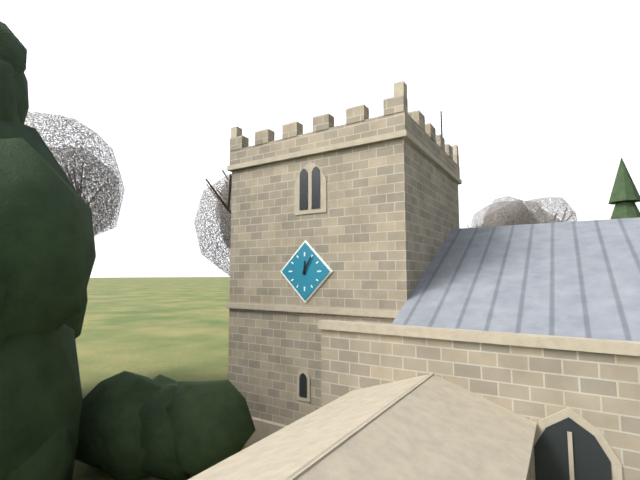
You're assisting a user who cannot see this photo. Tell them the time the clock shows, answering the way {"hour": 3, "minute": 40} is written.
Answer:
{"hour": 12, "minute": 5}
